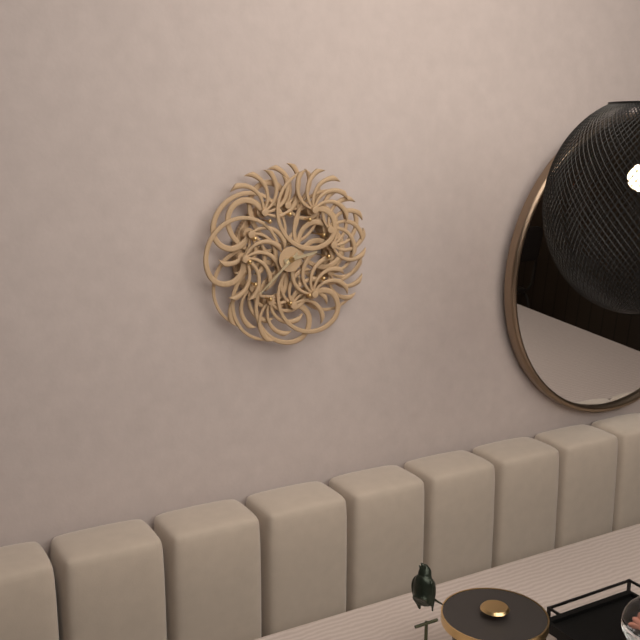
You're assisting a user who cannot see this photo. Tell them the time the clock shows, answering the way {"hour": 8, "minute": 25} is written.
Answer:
{"hour": 2, "minute": 38}
